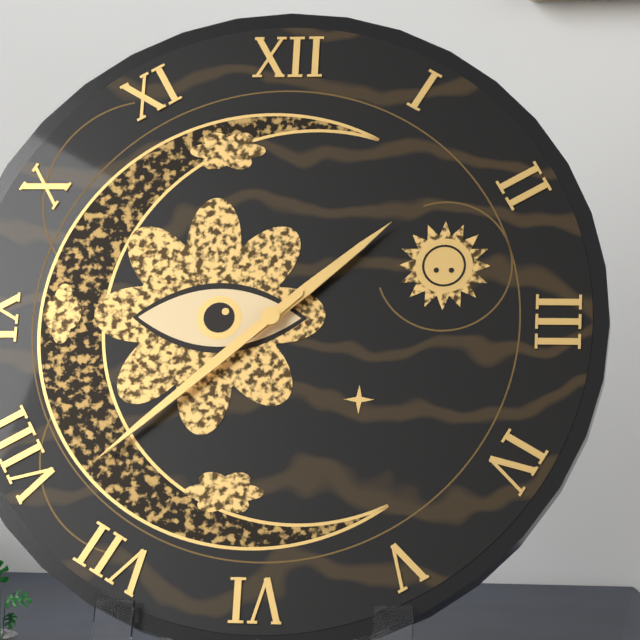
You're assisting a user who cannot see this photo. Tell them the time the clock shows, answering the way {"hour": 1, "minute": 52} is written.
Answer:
{"hour": 1, "minute": 38}
